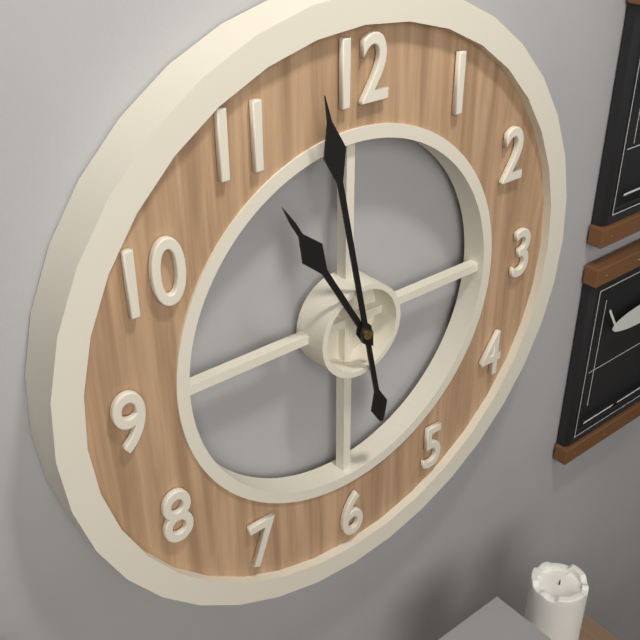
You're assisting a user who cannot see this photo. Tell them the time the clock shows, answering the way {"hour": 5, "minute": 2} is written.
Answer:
{"hour": 10, "minute": 58}
